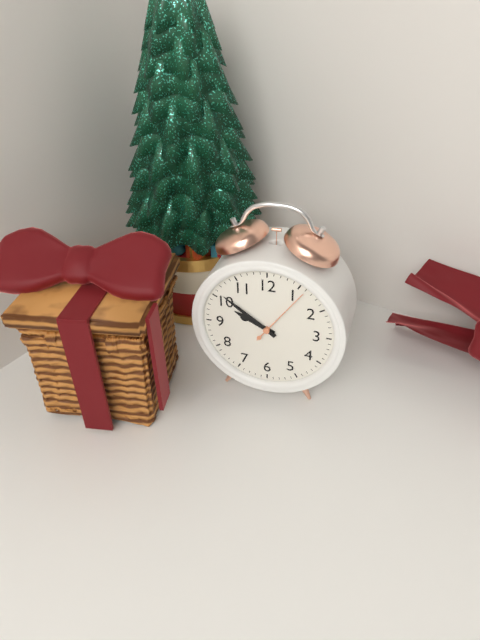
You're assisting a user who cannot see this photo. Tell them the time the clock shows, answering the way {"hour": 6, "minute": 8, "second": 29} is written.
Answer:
{"hour": 9, "minute": 51, "second": 6}
